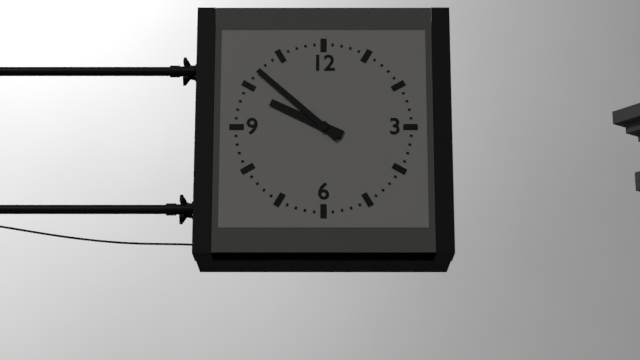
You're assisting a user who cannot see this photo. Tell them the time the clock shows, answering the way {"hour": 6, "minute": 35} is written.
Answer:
{"hour": 9, "minute": 52}
